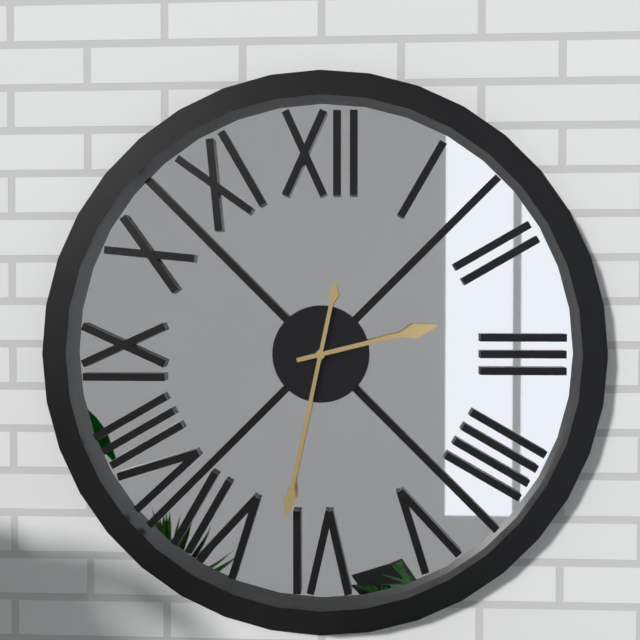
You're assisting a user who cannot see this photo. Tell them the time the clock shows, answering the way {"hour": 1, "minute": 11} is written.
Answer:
{"hour": 2, "minute": 32}
